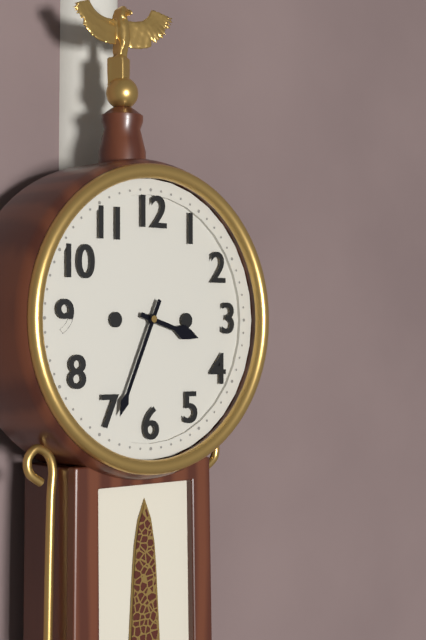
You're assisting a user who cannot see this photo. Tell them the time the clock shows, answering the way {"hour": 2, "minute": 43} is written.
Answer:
{"hour": 3, "minute": 34}
